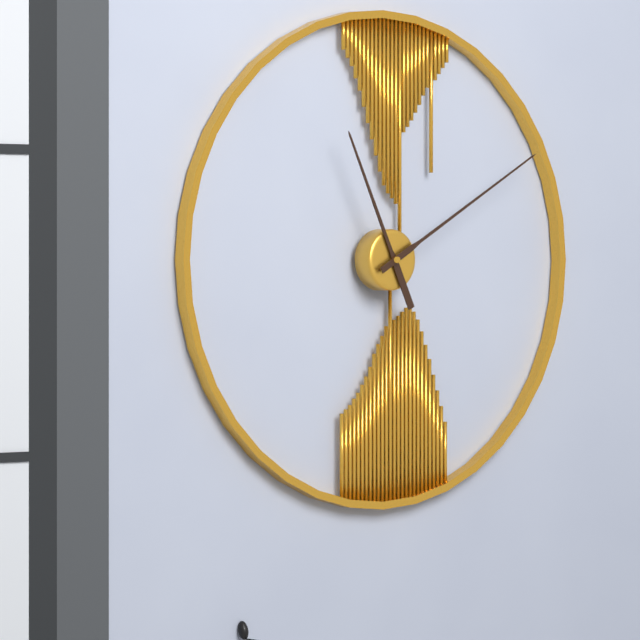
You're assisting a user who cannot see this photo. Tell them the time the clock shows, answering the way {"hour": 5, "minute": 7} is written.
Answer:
{"hour": 11, "minute": 10}
